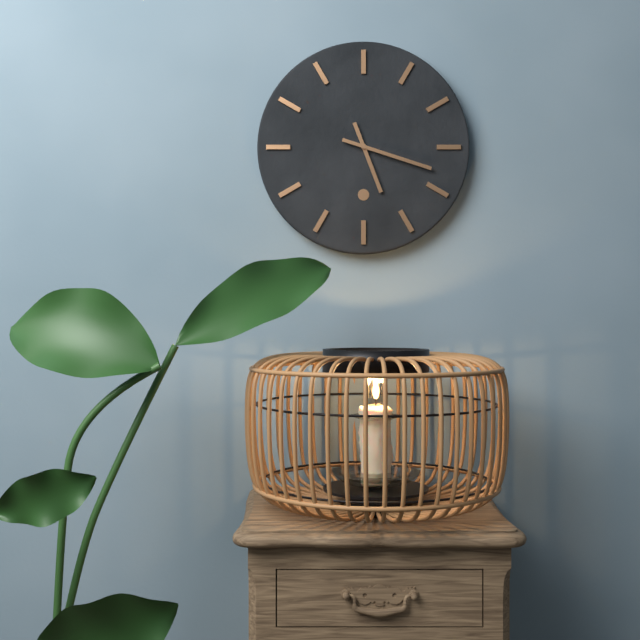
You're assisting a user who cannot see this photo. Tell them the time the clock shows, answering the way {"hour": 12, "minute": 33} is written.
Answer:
{"hour": 5, "minute": 18}
